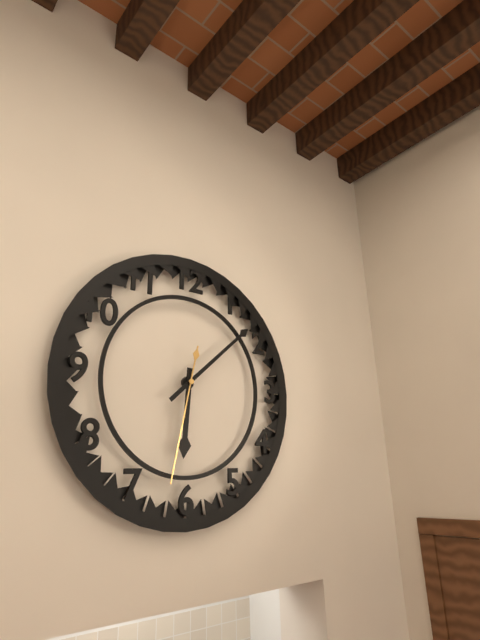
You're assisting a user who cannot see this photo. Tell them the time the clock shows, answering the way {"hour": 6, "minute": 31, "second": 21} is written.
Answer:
{"hour": 6, "minute": 8, "second": 32}
